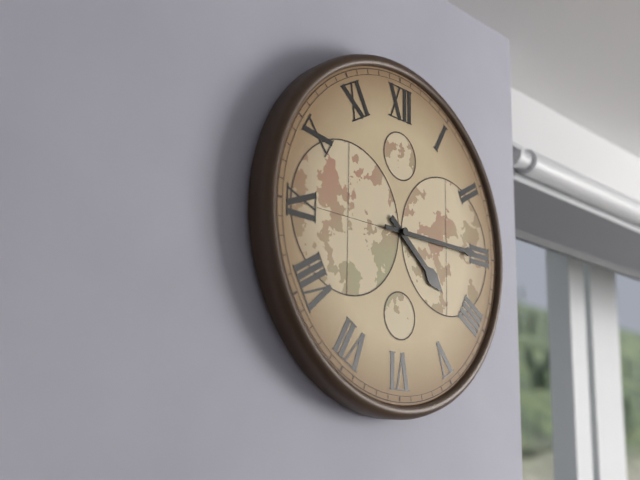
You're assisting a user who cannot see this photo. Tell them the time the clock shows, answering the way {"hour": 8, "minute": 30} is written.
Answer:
{"hour": 4, "minute": 15}
